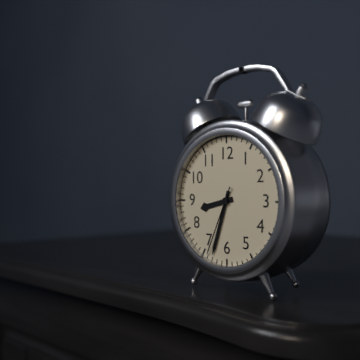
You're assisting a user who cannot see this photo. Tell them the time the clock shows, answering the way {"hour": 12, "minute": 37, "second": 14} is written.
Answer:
{"hour": 8, "minute": 33, "second": 34}
